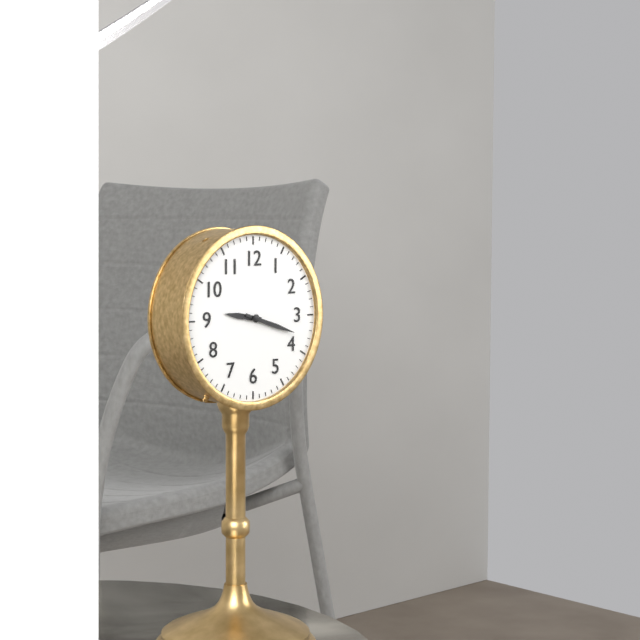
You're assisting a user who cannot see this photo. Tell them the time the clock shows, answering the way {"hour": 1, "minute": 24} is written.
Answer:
{"hour": 9, "minute": 18}
